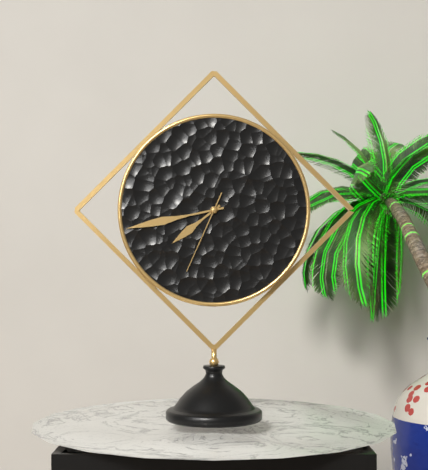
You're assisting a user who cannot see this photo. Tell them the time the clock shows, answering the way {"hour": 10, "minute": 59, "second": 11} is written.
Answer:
{"hour": 7, "minute": 43, "second": 34}
